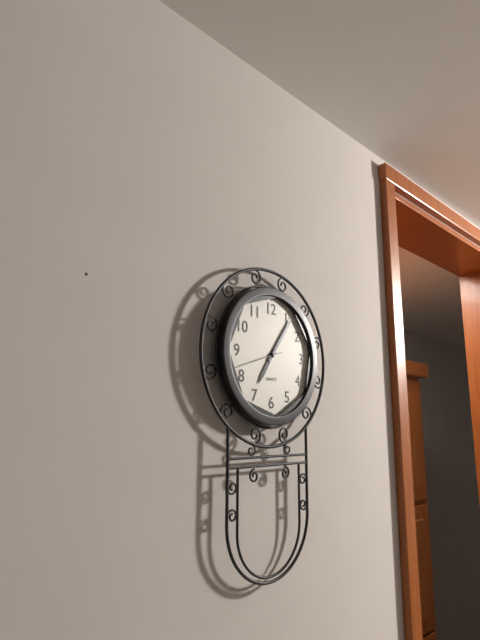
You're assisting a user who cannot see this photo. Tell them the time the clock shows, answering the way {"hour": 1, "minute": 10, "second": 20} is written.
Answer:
{"hour": 7, "minute": 6, "second": 42}
